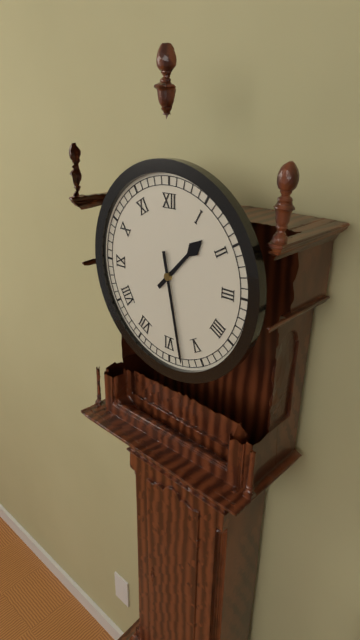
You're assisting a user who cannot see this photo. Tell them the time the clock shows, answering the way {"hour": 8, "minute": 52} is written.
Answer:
{"hour": 1, "minute": 28}
